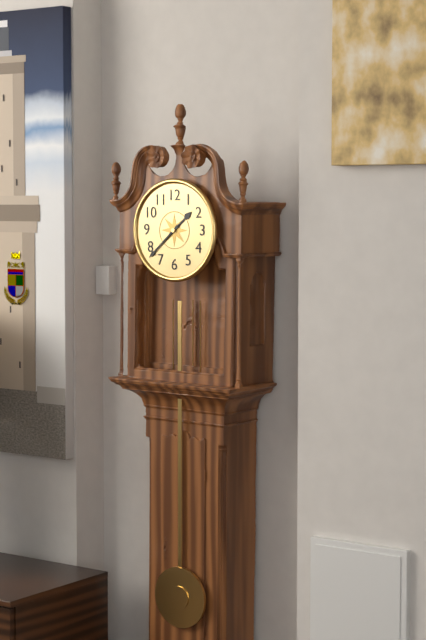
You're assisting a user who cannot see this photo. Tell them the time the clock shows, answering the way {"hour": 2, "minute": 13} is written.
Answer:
{"hour": 1, "minute": 38}
